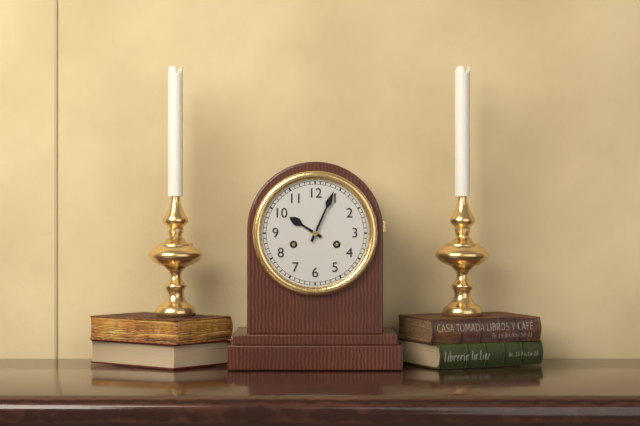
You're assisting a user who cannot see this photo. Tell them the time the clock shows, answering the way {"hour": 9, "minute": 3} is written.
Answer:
{"hour": 10, "minute": 4}
